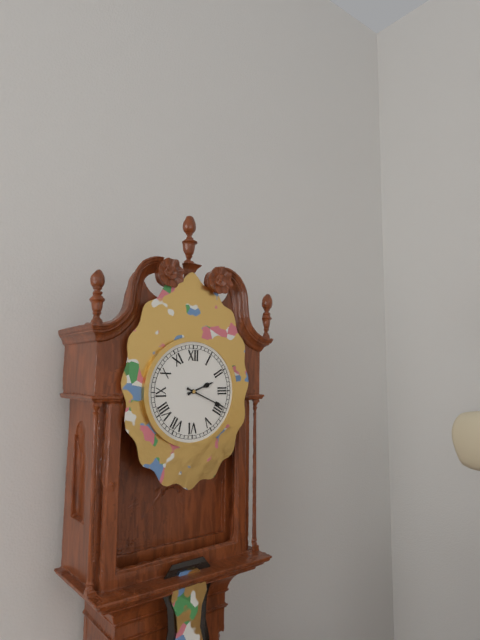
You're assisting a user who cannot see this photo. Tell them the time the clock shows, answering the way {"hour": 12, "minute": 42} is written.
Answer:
{"hour": 2, "minute": 19}
